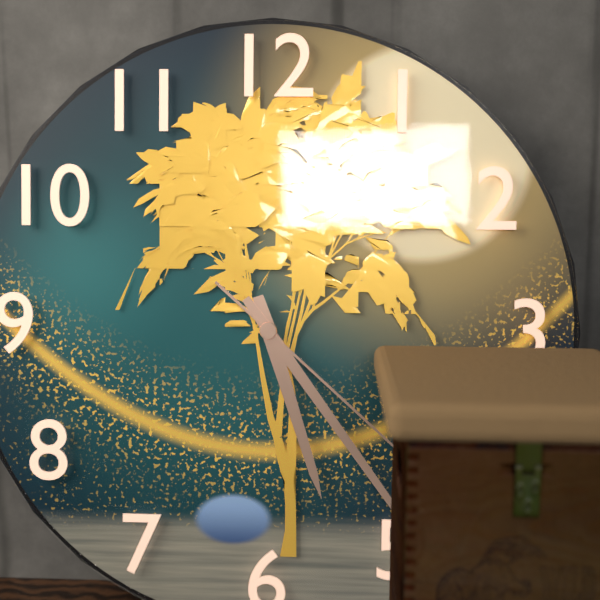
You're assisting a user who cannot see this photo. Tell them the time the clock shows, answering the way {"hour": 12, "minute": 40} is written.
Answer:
{"hour": 5, "minute": 24}
